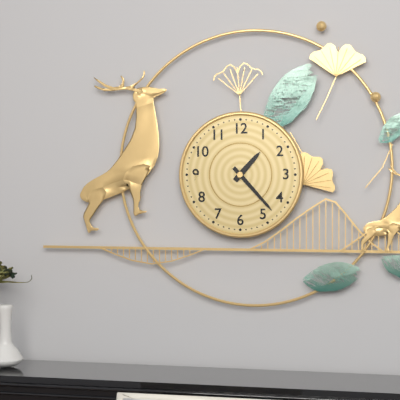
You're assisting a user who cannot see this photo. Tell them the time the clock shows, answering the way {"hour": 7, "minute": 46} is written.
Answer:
{"hour": 1, "minute": 23}
